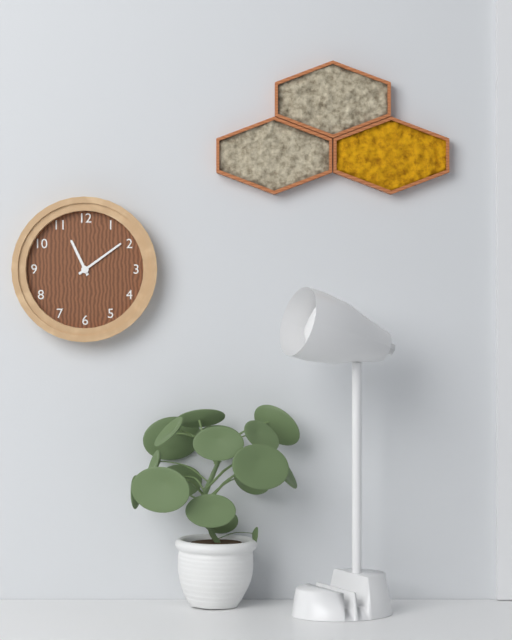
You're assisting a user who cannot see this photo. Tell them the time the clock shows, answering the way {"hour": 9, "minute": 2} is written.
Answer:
{"hour": 11, "minute": 9}
